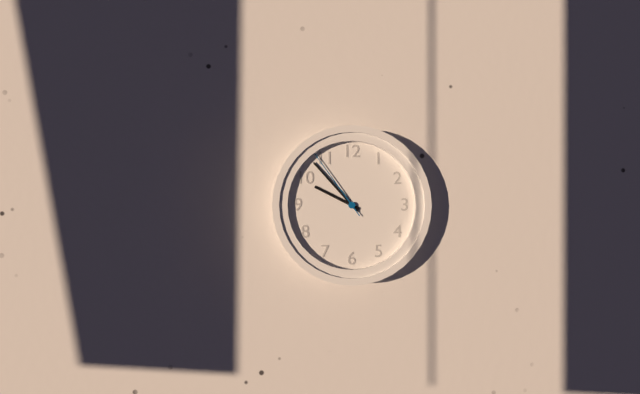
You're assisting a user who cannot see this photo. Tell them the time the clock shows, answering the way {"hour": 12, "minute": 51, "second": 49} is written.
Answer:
{"hour": 9, "minute": 53, "second": 54}
